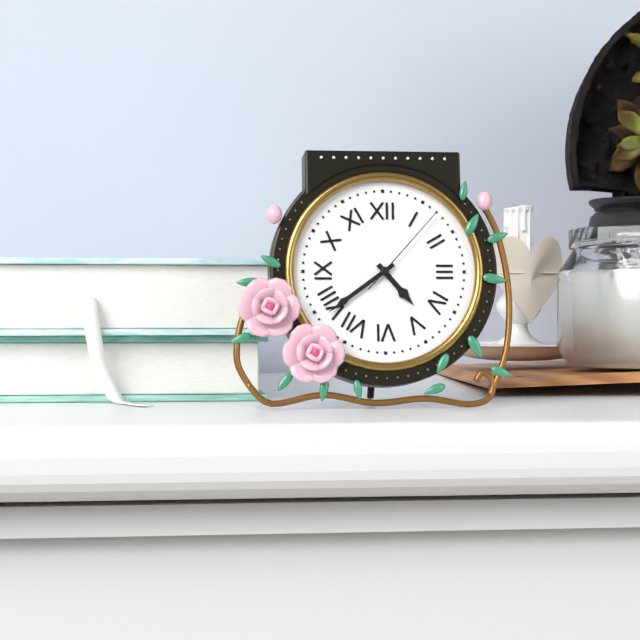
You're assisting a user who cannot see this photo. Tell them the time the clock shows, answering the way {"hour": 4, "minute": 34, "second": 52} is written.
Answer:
{"hour": 4, "minute": 39, "second": 7}
